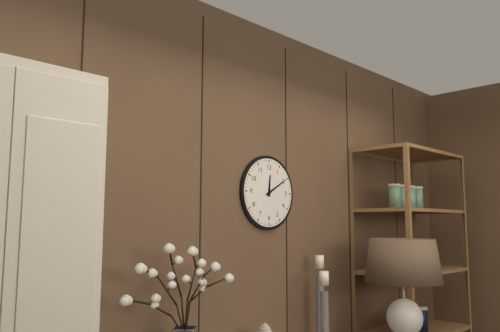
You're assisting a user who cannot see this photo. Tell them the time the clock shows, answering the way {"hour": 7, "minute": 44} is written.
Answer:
{"hour": 12, "minute": 10}
